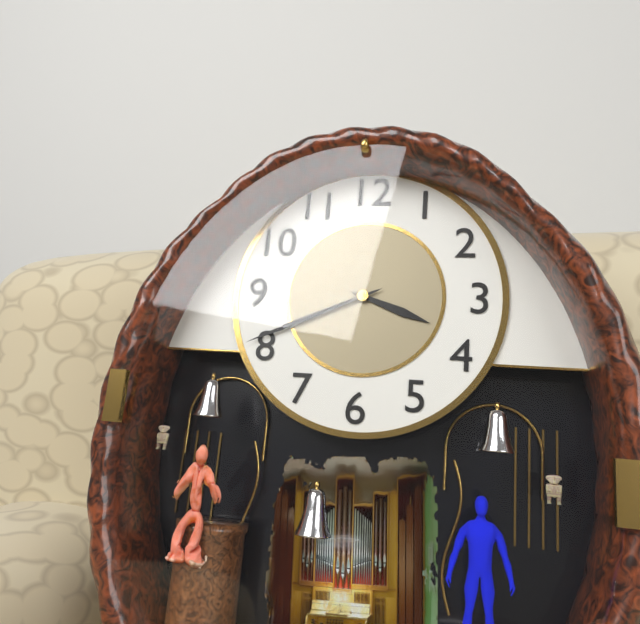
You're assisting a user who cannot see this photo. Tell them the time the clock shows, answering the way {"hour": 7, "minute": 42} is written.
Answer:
{"hour": 3, "minute": 41}
